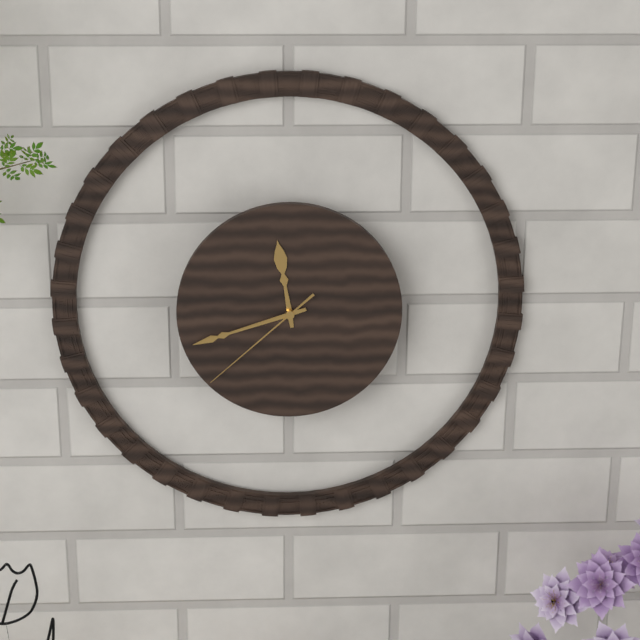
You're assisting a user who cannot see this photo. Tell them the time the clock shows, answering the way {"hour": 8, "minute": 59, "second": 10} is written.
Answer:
{"hour": 11, "minute": 42, "second": 38}
